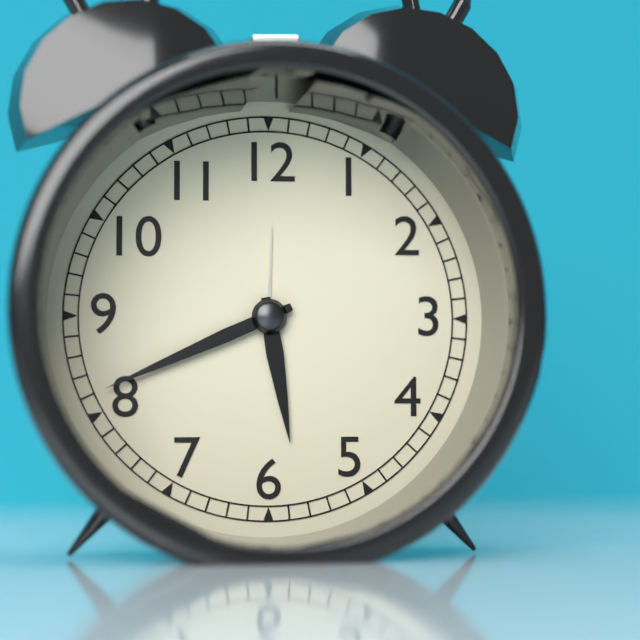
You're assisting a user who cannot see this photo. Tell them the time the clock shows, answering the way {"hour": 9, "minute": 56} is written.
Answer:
{"hour": 5, "minute": 41}
